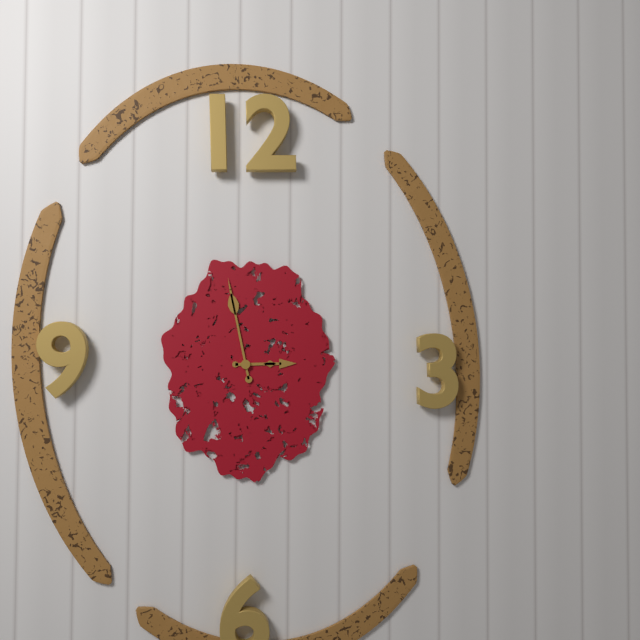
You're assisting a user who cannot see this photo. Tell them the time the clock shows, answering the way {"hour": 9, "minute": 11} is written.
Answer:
{"hour": 2, "minute": 58}
